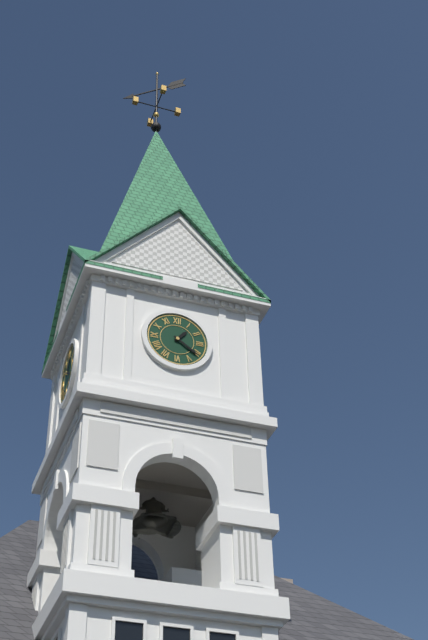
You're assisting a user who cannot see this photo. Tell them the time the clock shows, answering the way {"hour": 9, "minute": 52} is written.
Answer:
{"hour": 1, "minute": 21}
